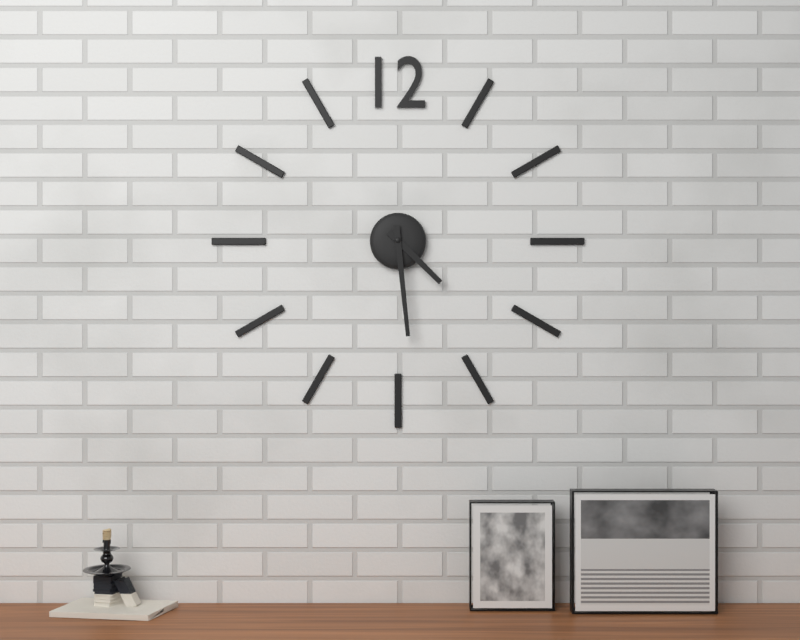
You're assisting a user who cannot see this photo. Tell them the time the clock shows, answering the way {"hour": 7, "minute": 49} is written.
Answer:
{"hour": 4, "minute": 29}
